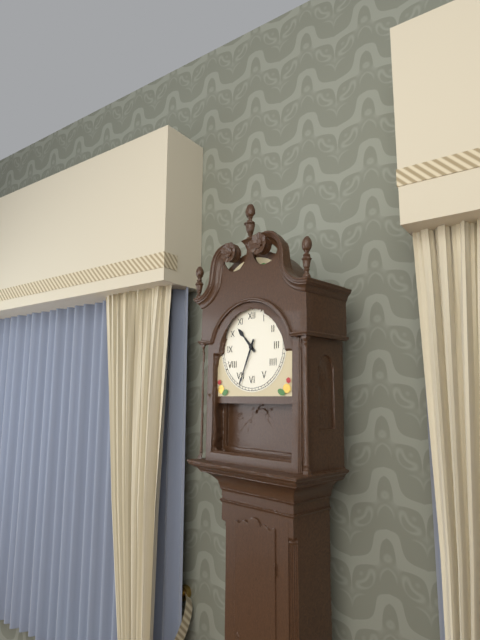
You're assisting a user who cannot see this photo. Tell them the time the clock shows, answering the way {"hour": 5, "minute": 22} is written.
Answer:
{"hour": 10, "minute": 34}
